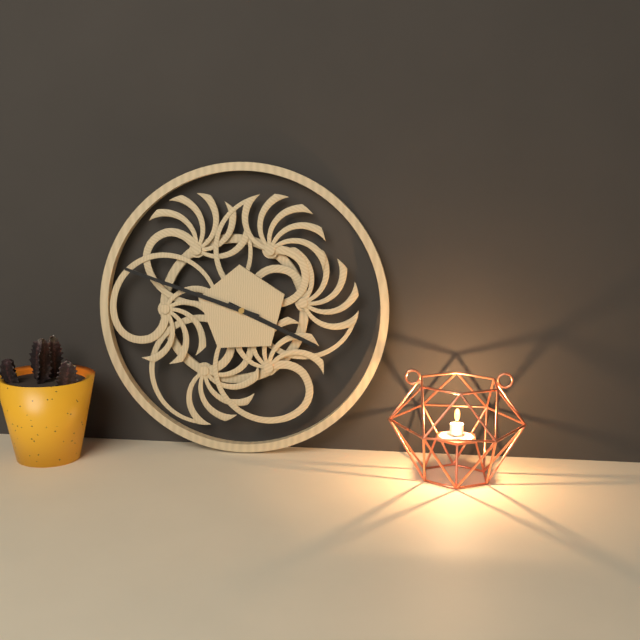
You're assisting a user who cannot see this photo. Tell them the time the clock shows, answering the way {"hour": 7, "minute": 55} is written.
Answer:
{"hour": 3, "minute": 48}
